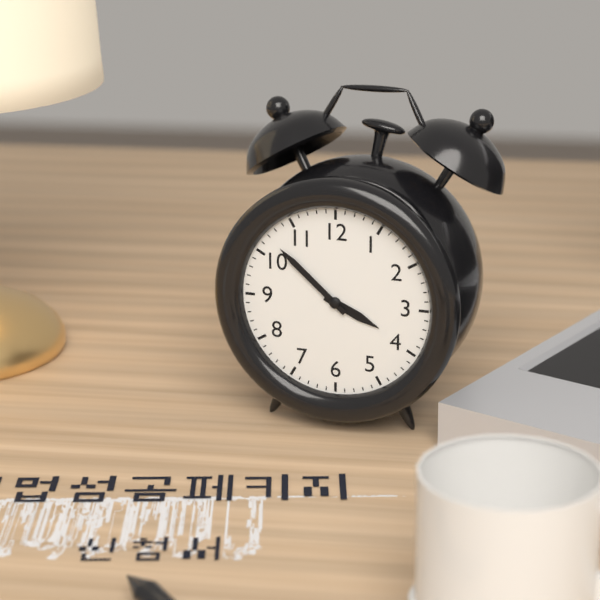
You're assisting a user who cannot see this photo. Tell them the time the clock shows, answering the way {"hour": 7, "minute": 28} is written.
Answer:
{"hour": 3, "minute": 52}
